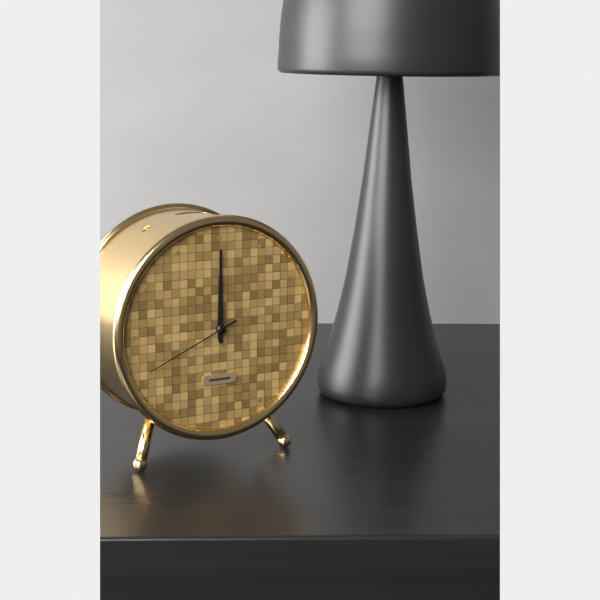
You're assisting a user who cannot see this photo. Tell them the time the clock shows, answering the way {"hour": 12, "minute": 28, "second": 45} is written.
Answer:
{"hour": 12, "minute": 0, "second": 41}
